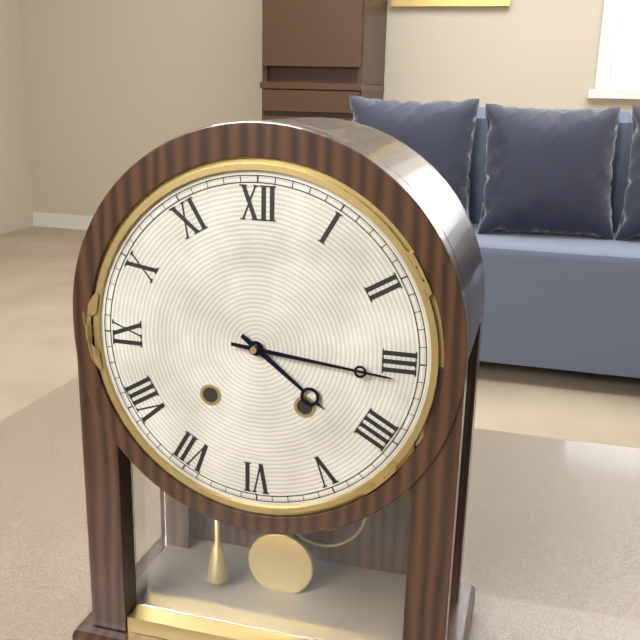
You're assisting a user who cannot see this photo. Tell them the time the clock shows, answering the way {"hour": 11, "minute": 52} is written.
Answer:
{"hour": 4, "minute": 16}
